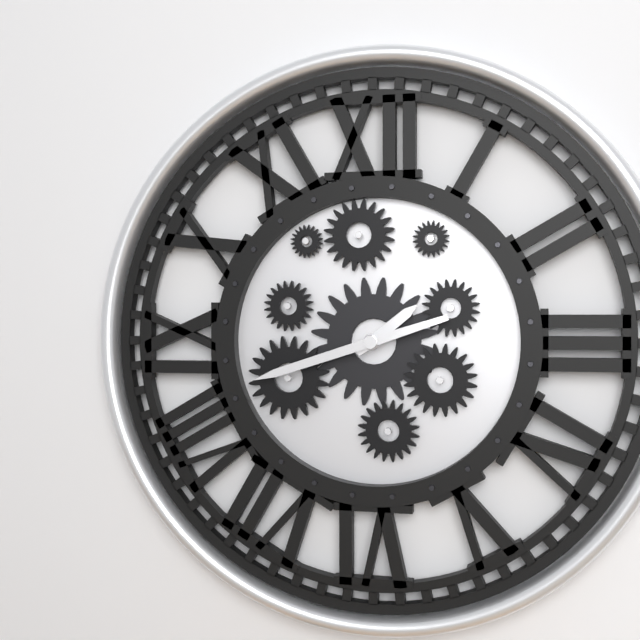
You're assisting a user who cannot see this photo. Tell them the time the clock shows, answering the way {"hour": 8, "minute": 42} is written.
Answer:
{"hour": 1, "minute": 42}
